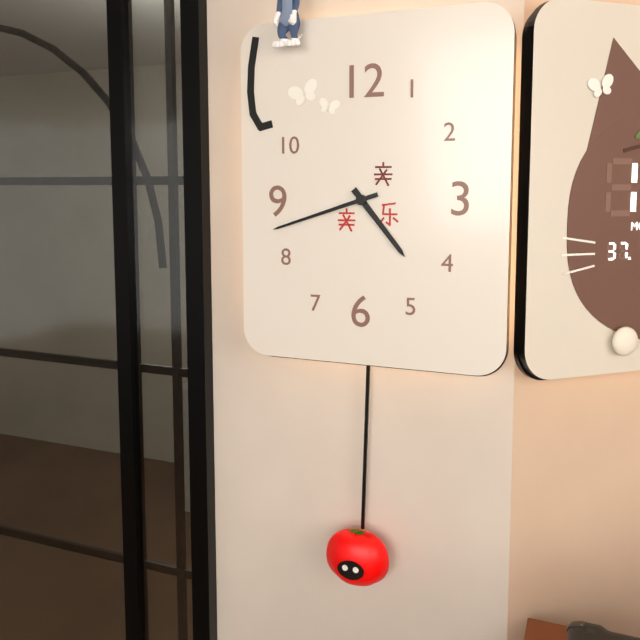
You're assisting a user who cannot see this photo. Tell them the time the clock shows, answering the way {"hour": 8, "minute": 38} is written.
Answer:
{"hour": 4, "minute": 42}
